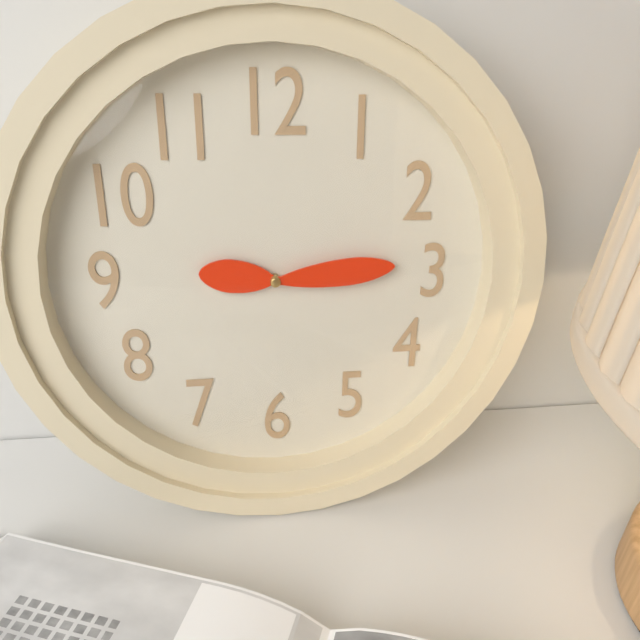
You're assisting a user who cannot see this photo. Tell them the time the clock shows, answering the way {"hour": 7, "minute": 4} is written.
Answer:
{"hour": 9, "minute": 14}
